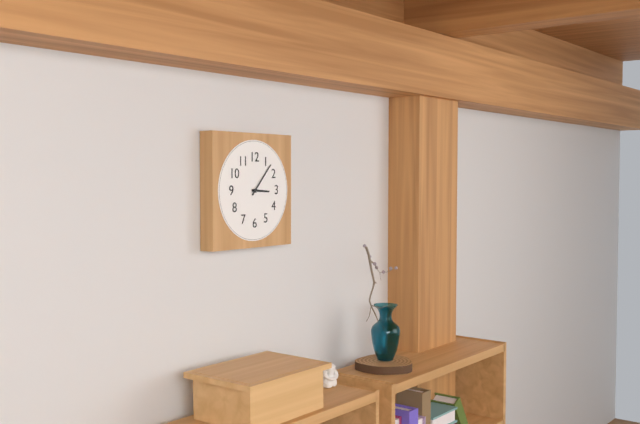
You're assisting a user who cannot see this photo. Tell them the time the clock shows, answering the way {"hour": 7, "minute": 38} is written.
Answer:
{"hour": 3, "minute": 7}
